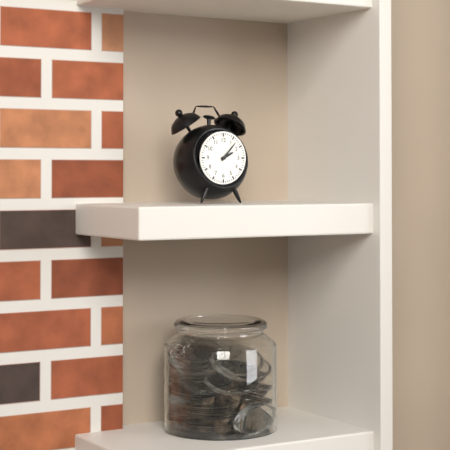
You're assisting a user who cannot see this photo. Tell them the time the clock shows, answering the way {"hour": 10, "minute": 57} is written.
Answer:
{"hour": 2, "minute": 7}
